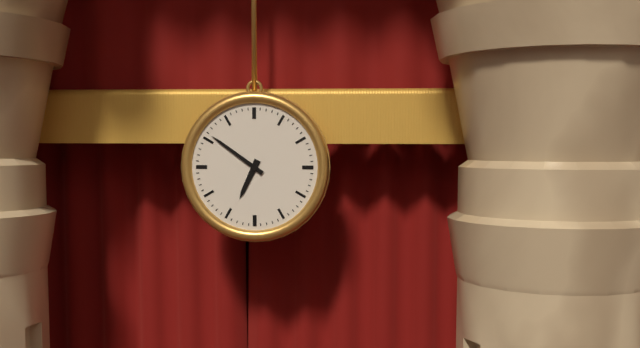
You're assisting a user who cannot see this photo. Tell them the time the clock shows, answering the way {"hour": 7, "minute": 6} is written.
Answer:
{"hour": 6, "minute": 51}
